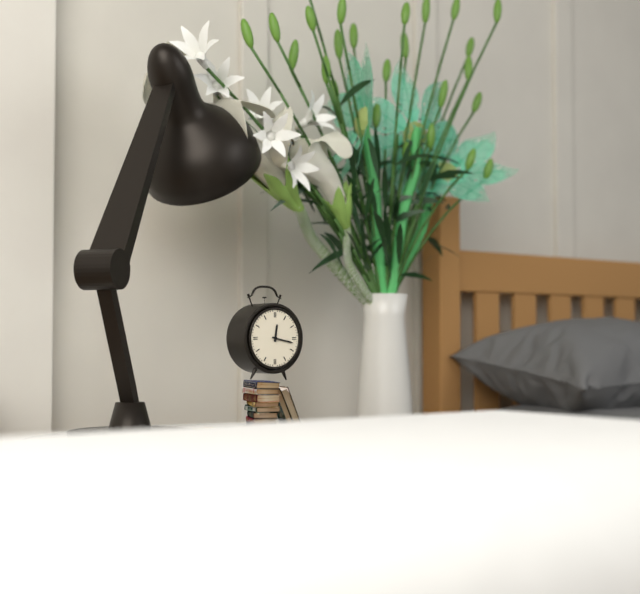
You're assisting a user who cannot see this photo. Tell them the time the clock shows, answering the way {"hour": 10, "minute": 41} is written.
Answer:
{"hour": 12, "minute": 17}
